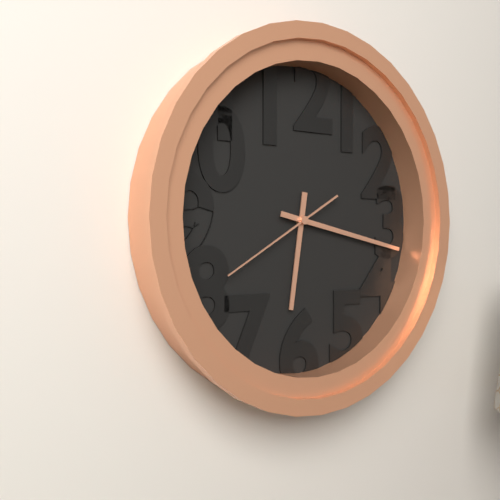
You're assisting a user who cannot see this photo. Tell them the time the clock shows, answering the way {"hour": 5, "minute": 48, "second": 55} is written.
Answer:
{"hour": 6, "minute": 17, "second": 40}
